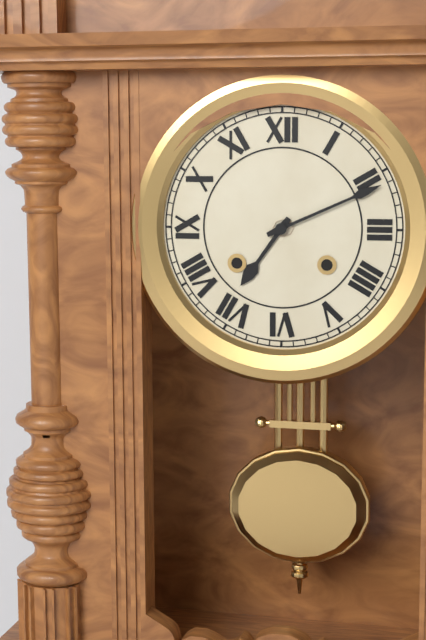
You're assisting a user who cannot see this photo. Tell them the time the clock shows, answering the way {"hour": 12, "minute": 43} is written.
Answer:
{"hour": 7, "minute": 11}
